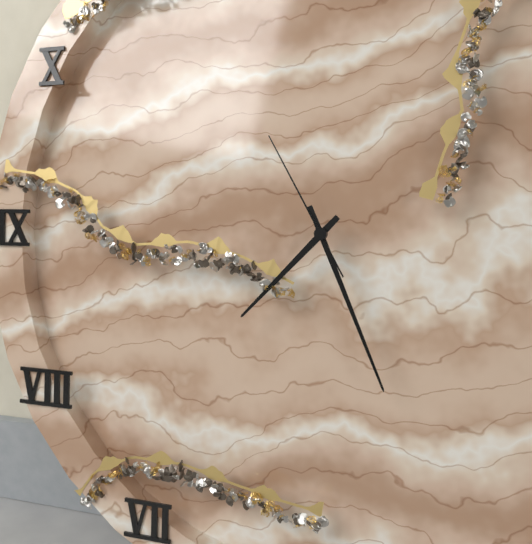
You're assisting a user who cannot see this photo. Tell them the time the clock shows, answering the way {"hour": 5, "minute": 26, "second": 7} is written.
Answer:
{"hour": 7, "minute": 26, "second": 55}
